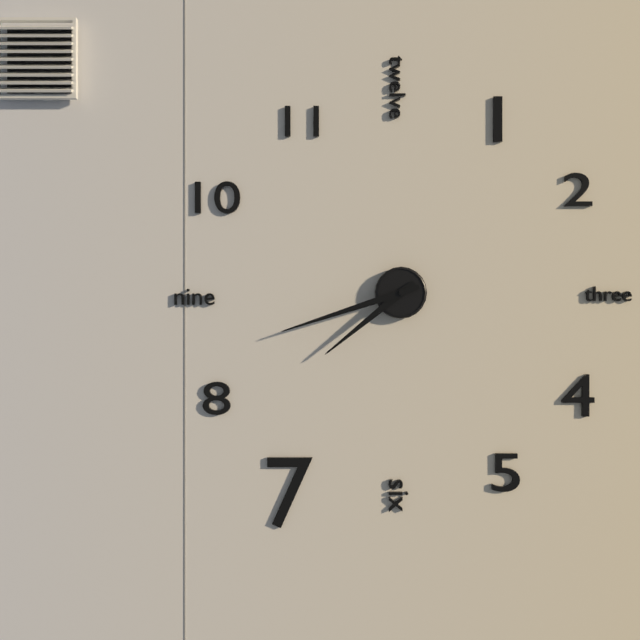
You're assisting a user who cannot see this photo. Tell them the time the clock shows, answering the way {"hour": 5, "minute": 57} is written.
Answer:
{"hour": 7, "minute": 42}
